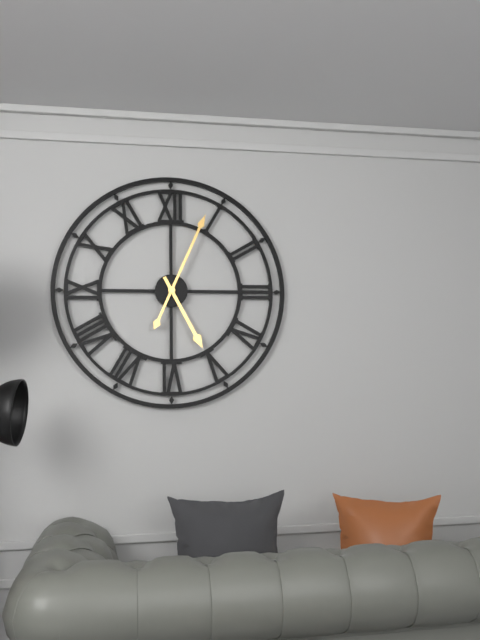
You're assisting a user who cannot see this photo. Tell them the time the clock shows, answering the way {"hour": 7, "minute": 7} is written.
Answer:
{"hour": 5, "minute": 4}
